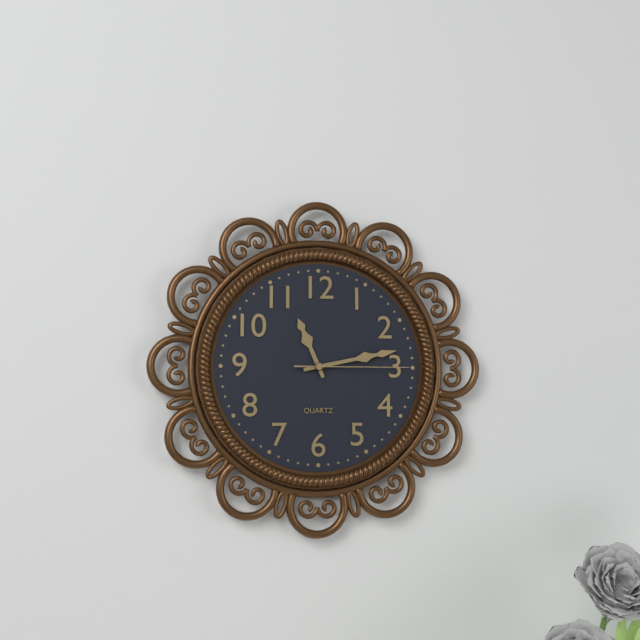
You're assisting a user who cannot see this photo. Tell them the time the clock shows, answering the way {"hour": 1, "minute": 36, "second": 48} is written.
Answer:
{"hour": 11, "minute": 13, "second": 15}
